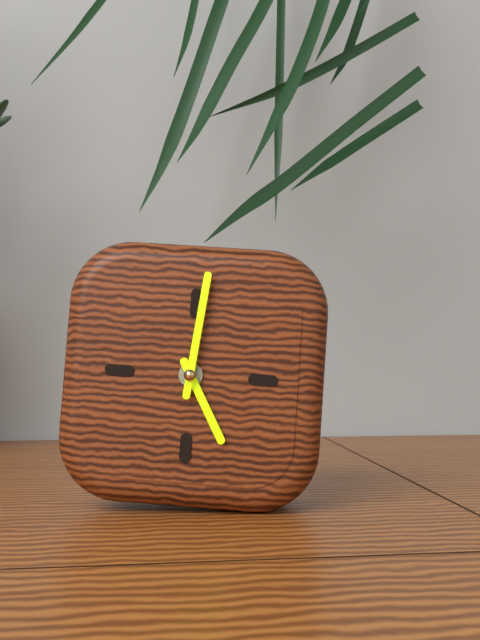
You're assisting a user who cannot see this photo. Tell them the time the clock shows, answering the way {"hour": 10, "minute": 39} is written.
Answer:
{"hour": 5, "minute": 1}
